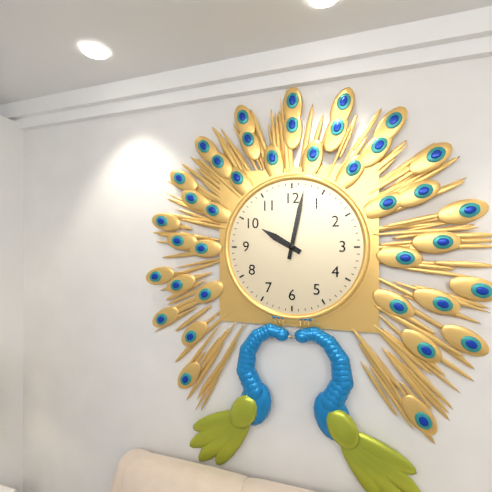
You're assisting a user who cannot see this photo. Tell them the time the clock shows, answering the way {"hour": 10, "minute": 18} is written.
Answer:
{"hour": 10, "minute": 2}
